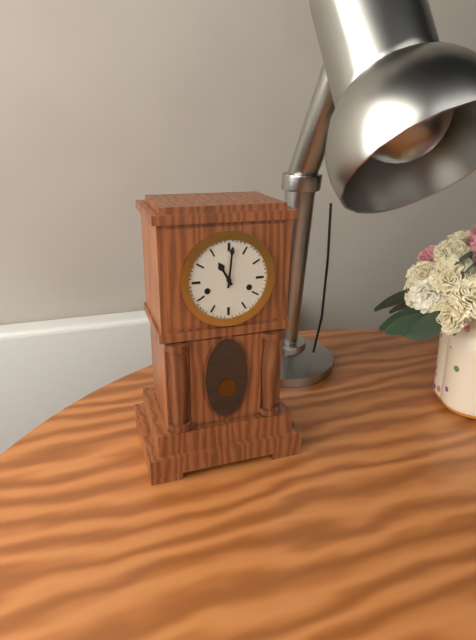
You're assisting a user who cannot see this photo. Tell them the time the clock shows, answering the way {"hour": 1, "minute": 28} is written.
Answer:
{"hour": 11, "minute": 1}
